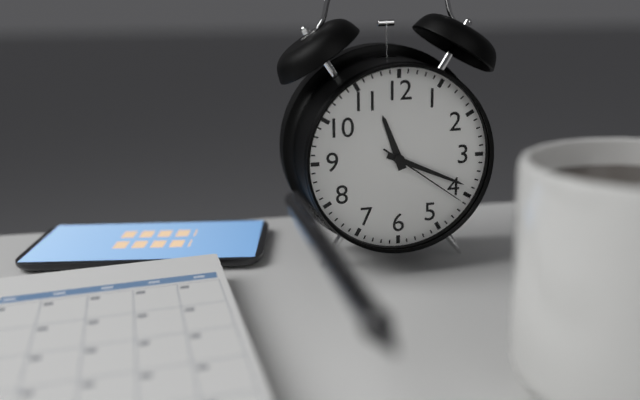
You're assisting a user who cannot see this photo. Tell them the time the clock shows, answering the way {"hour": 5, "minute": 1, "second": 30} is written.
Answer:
{"hour": 11, "minute": 19, "second": 21}
